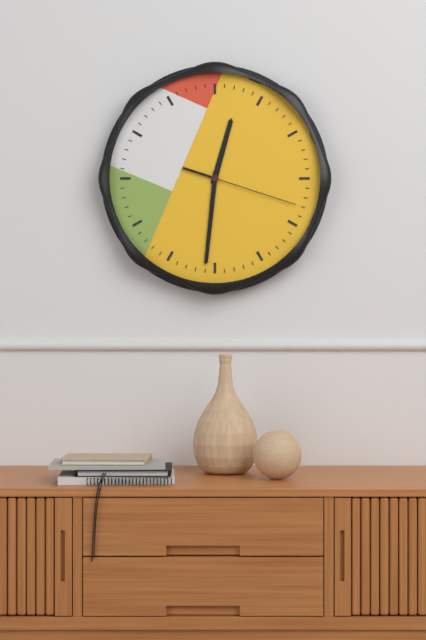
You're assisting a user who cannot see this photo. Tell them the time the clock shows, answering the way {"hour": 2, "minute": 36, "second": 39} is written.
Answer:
{"hour": 12, "minute": 31, "second": 18}
